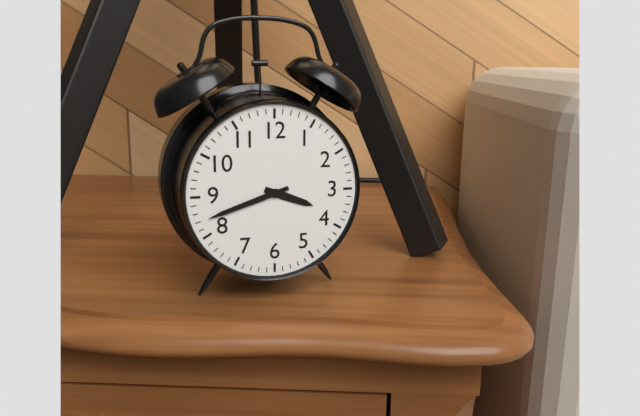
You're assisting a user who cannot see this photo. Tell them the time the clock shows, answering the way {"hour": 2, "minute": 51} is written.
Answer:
{"hour": 3, "minute": 42}
